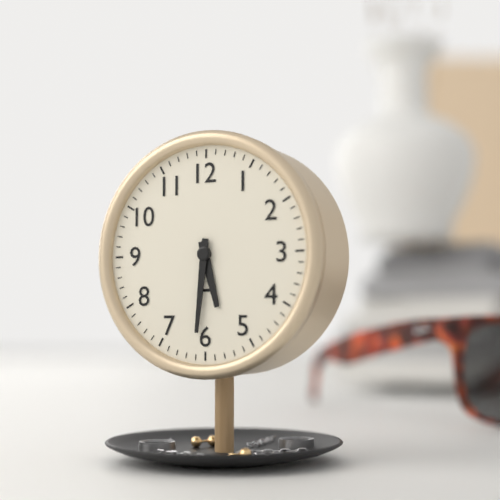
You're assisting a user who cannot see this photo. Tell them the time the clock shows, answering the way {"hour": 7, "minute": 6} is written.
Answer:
{"hour": 5, "minute": 31}
